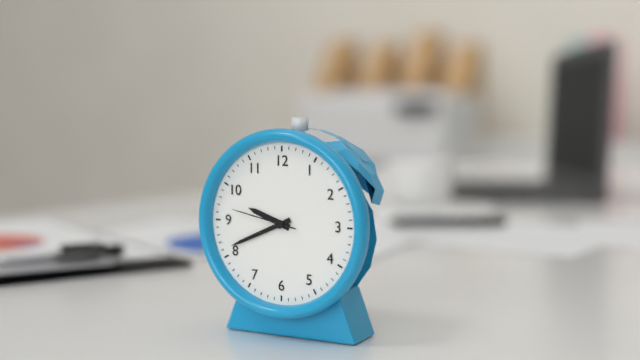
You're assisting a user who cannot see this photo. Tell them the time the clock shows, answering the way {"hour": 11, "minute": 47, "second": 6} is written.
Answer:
{"hour": 9, "minute": 41, "second": 47}
